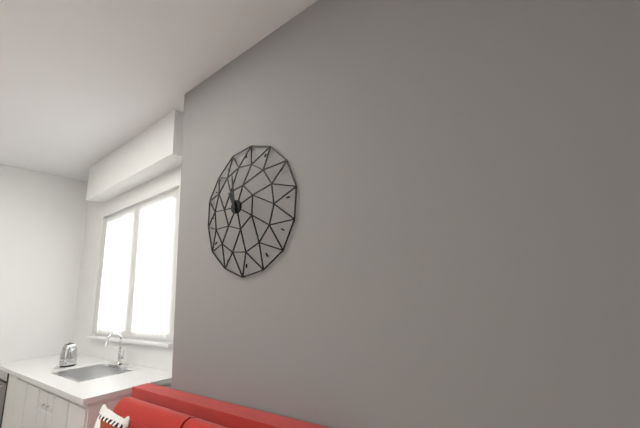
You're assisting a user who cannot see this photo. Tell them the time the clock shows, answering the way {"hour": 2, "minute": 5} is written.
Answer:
{"hour": 10, "minute": 59}
